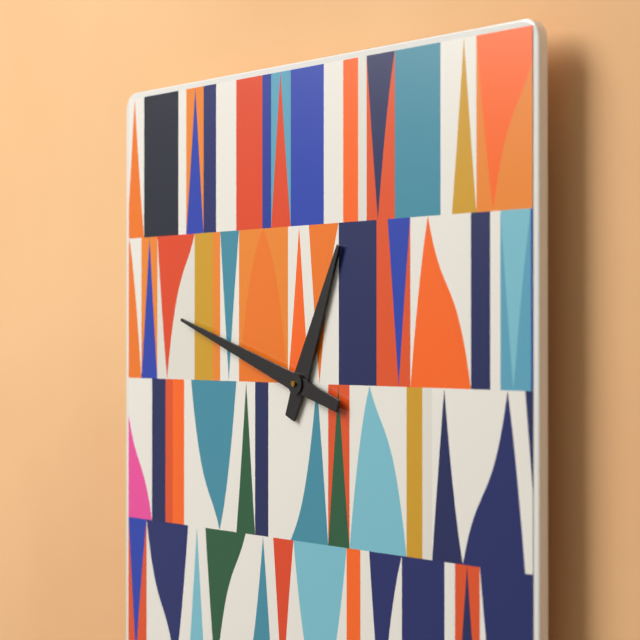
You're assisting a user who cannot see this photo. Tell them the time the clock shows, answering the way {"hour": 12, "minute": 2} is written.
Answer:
{"hour": 12, "minute": 48}
